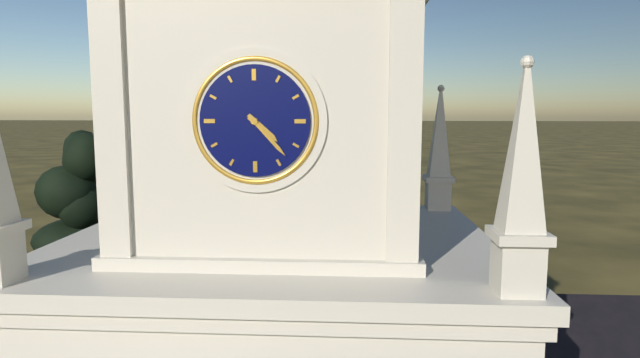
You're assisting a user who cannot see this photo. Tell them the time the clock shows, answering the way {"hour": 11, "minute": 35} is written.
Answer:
{"hour": 4, "minute": 23}
